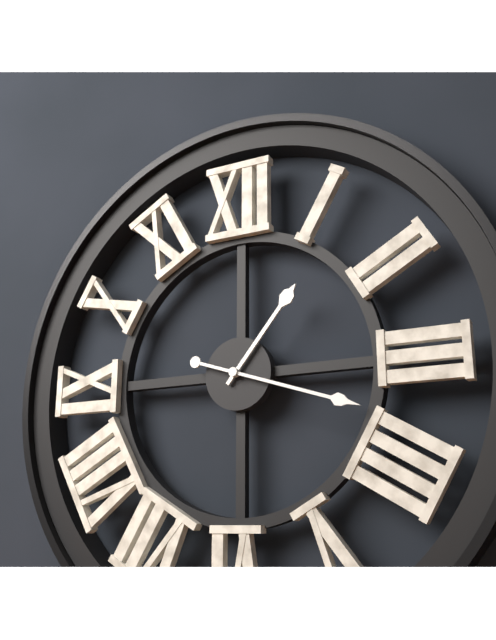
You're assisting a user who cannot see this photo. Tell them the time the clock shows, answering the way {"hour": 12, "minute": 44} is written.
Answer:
{"hour": 1, "minute": 18}
